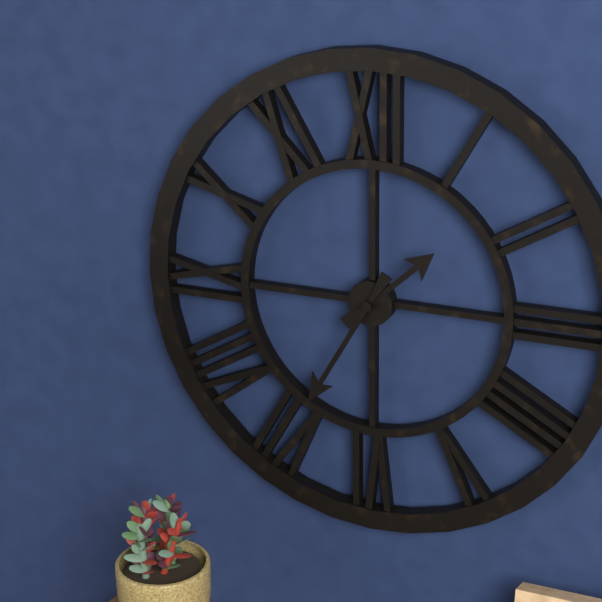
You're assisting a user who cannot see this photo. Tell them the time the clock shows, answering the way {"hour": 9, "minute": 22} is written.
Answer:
{"hour": 1, "minute": 35}
